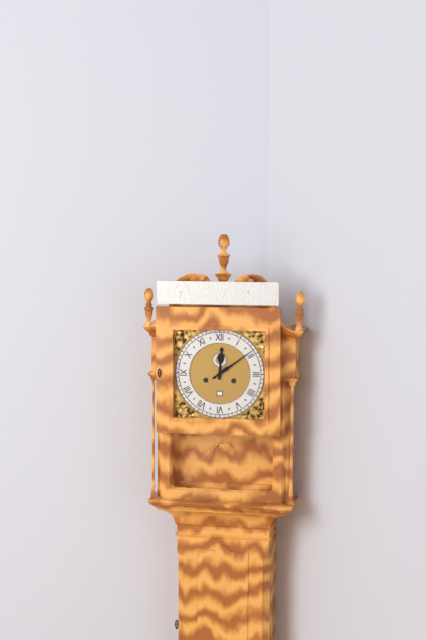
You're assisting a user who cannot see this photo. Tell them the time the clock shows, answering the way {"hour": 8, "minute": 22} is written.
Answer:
{"hour": 12, "minute": 9}
